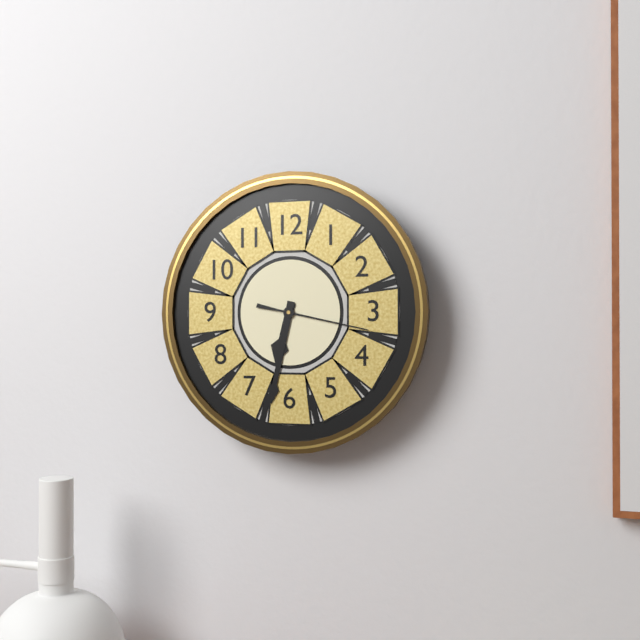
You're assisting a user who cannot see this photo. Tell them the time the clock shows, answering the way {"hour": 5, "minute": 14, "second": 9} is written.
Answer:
{"hour": 6, "minute": 32, "second": 17}
